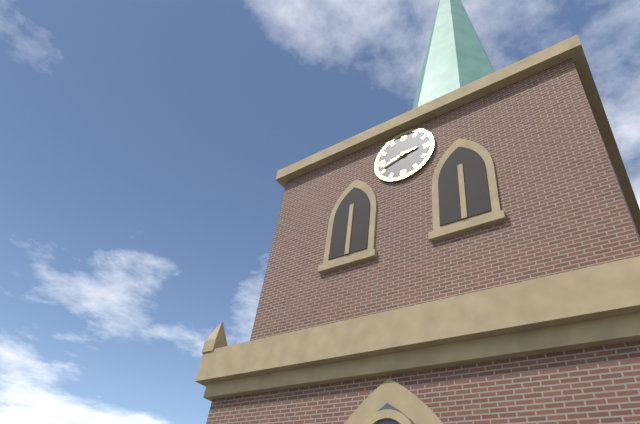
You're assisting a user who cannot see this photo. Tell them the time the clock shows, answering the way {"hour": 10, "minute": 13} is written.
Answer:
{"hour": 2, "minute": 42}
